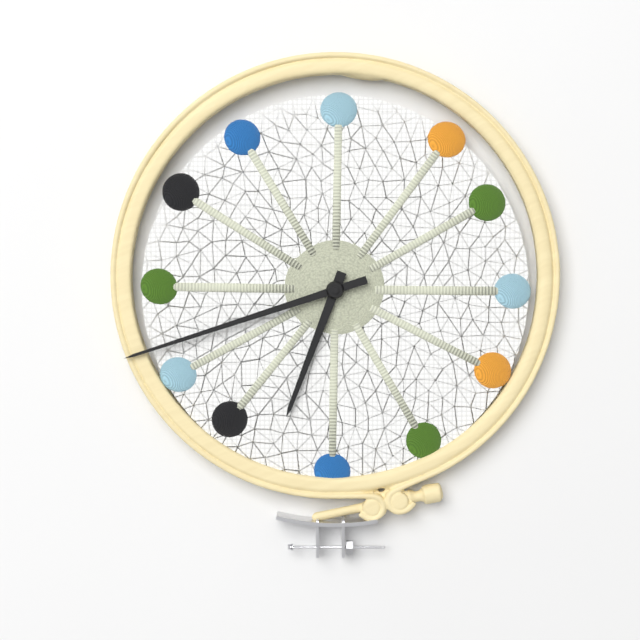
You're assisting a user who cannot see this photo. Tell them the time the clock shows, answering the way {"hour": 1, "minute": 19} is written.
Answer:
{"hour": 6, "minute": 42}
